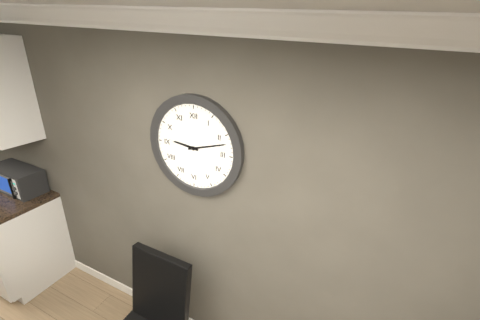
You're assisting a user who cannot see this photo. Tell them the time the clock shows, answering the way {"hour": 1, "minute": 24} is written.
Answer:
{"hour": 9, "minute": 12}
